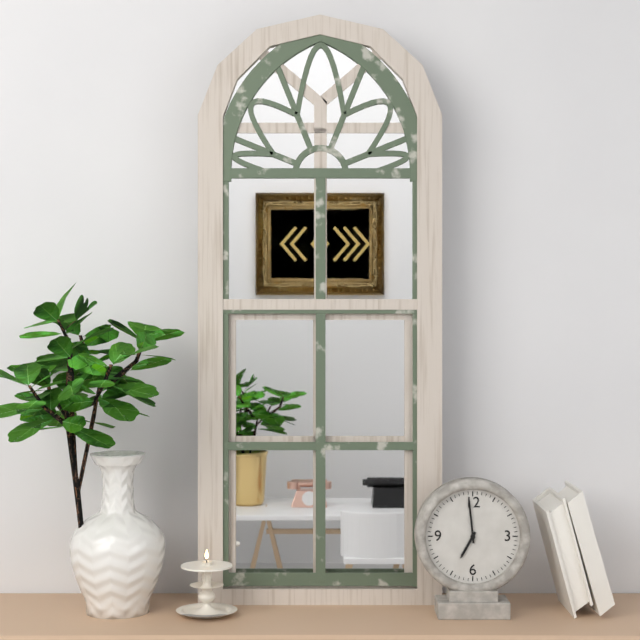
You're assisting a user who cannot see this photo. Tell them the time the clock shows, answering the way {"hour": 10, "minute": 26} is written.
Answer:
{"hour": 6, "minute": 59}
